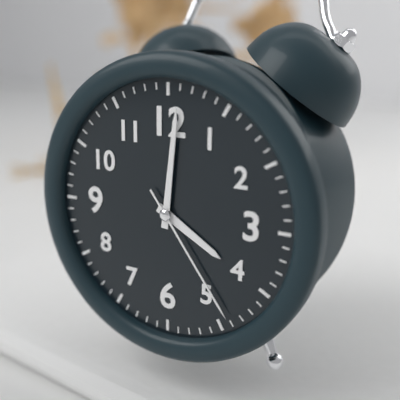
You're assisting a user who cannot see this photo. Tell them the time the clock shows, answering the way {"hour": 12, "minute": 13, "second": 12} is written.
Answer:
{"hour": 4, "minute": 1, "second": 24}
